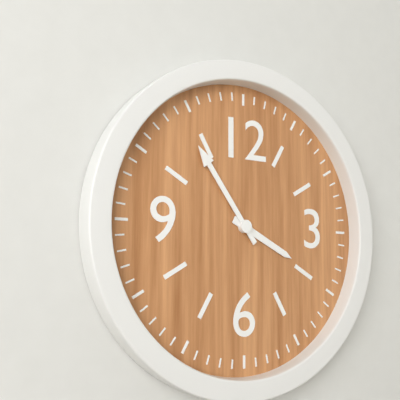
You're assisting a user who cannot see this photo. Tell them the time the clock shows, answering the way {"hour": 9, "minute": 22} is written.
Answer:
{"hour": 3, "minute": 54}
